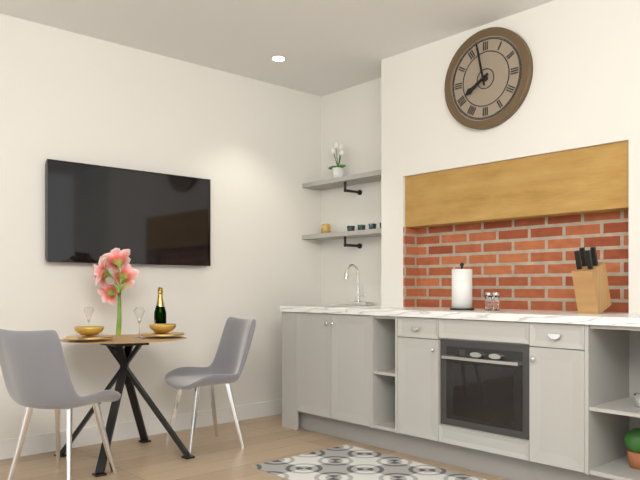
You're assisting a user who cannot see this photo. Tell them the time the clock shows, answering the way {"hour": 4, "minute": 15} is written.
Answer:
{"hour": 7, "minute": 58}
